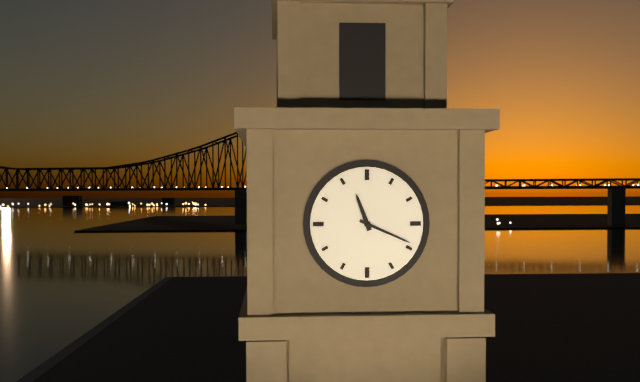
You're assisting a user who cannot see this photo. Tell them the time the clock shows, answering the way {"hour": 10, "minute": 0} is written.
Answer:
{"hour": 11, "minute": 19}
